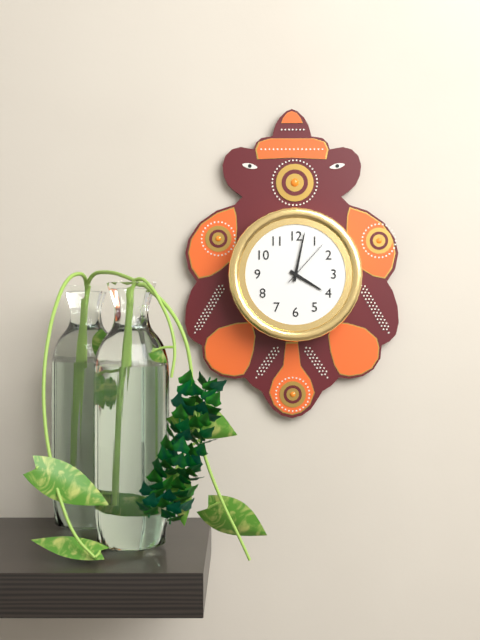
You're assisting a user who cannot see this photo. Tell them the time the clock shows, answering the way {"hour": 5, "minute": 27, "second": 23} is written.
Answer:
{"hour": 4, "minute": 2, "second": 7}
